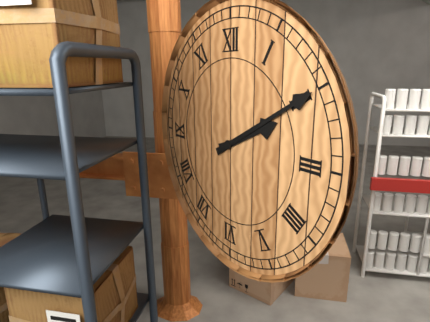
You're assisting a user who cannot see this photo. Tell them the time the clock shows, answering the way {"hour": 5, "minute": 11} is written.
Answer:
{"hour": 2, "minute": 10}
